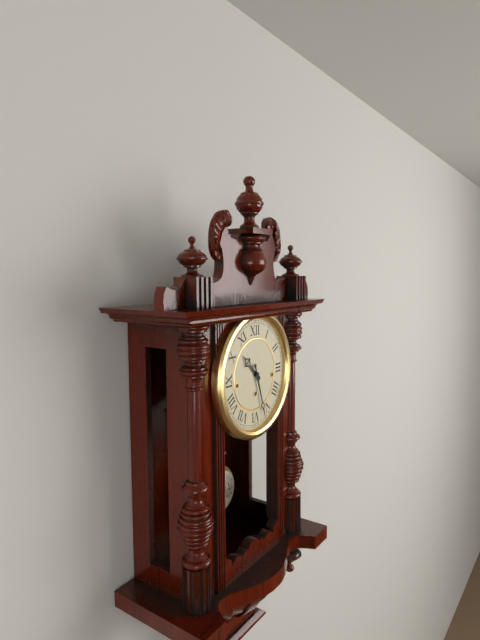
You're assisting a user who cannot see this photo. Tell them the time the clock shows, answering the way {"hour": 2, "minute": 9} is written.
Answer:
{"hour": 10, "minute": 27}
